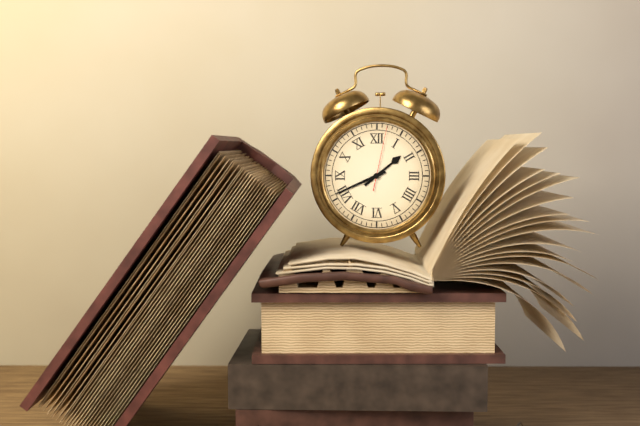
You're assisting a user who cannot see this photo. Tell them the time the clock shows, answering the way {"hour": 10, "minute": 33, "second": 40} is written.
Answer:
{"hour": 1, "minute": 41, "second": 2}
